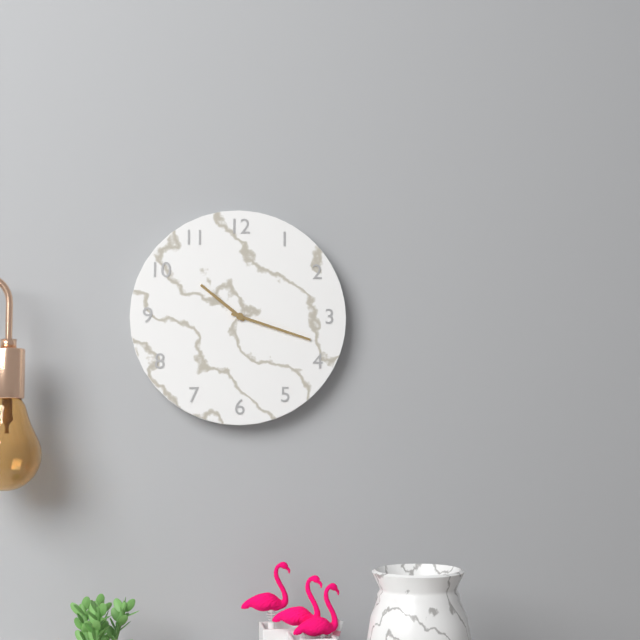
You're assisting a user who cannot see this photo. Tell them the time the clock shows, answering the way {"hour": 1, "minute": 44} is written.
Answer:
{"hour": 10, "minute": 18}
